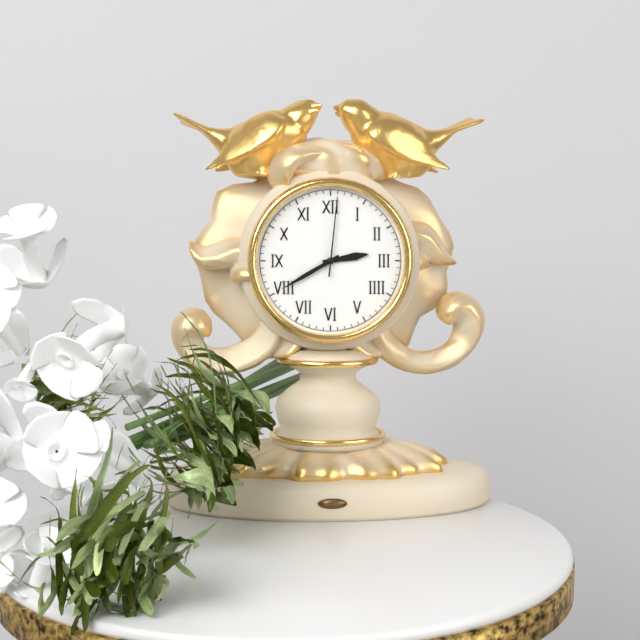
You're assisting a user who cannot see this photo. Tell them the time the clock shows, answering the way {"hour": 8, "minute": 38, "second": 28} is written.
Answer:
{"hour": 2, "minute": 40, "second": 1}
